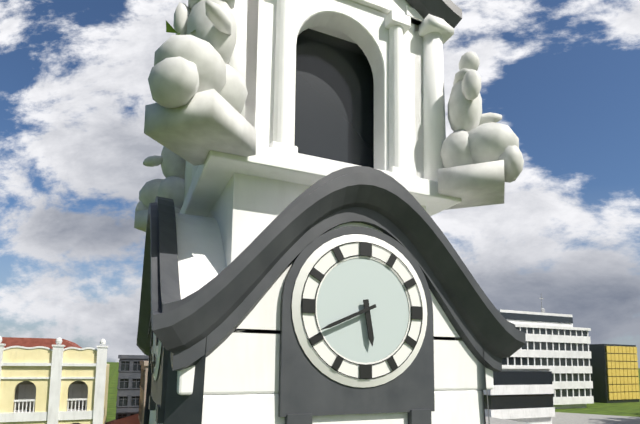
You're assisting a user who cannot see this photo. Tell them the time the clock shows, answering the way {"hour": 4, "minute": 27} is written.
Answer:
{"hour": 5, "minute": 41}
